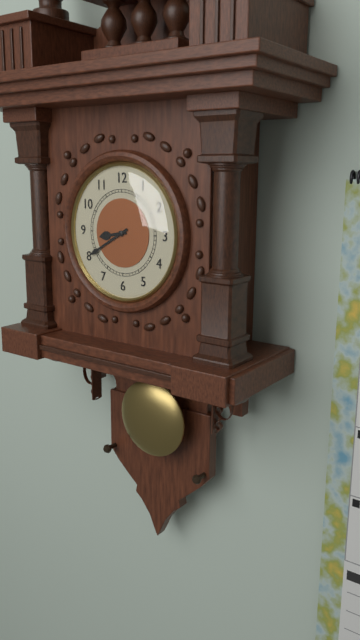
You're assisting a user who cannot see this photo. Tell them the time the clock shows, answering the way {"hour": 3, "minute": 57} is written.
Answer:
{"hour": 8, "minute": 40}
